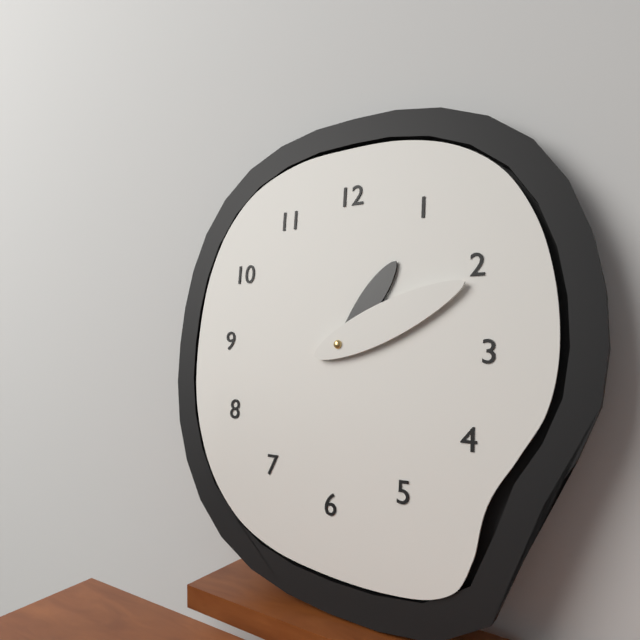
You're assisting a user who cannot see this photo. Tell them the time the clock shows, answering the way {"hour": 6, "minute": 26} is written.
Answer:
{"hour": 1, "minute": 11}
